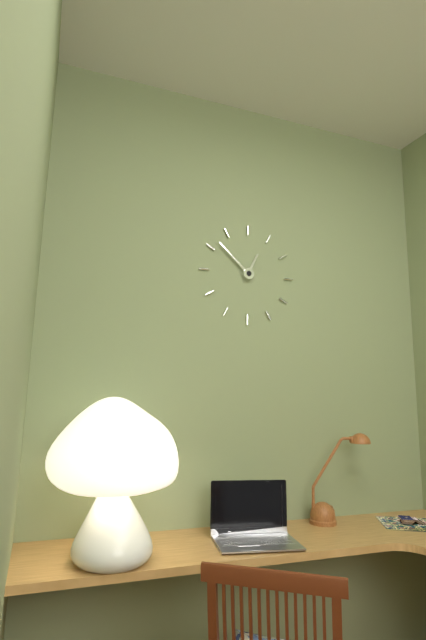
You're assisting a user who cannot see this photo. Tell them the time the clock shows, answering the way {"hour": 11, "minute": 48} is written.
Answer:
{"hour": 12, "minute": 52}
